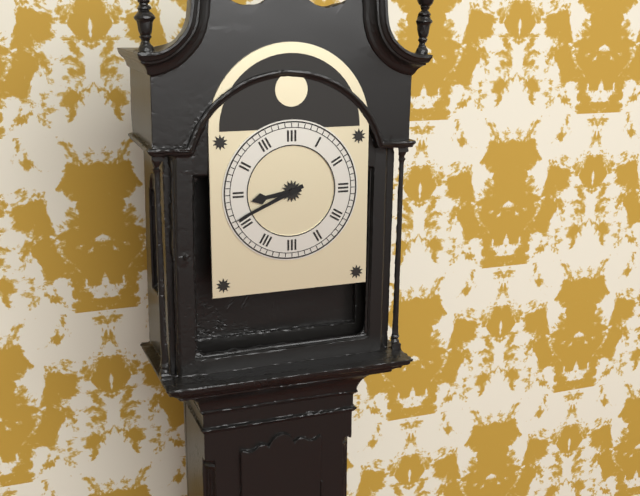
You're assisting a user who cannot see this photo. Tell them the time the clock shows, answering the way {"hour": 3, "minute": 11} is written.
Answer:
{"hour": 8, "minute": 41}
